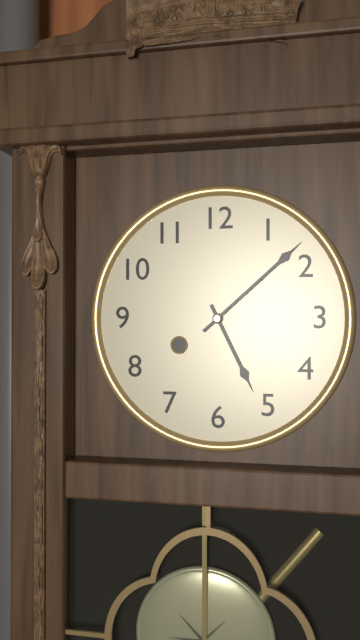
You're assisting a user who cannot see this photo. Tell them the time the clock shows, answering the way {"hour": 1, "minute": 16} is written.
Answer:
{"hour": 5, "minute": 8}
